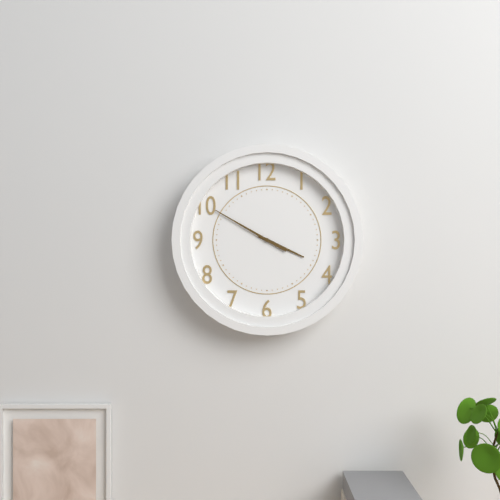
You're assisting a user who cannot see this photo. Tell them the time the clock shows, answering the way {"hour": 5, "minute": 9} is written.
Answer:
{"hour": 3, "minute": 50}
